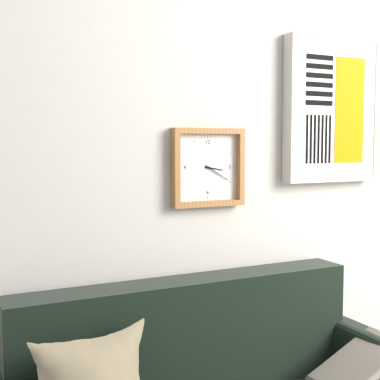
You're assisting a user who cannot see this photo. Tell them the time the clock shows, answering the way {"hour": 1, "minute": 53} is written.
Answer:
{"hour": 3, "minute": 20}
